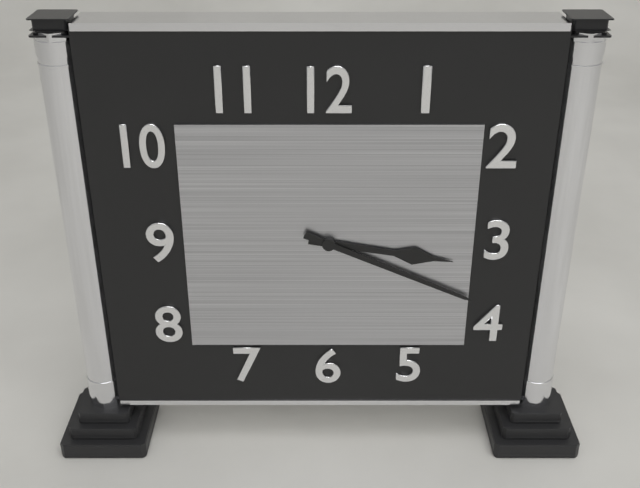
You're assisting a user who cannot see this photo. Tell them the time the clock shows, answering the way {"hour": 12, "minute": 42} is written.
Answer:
{"hour": 3, "minute": 19}
